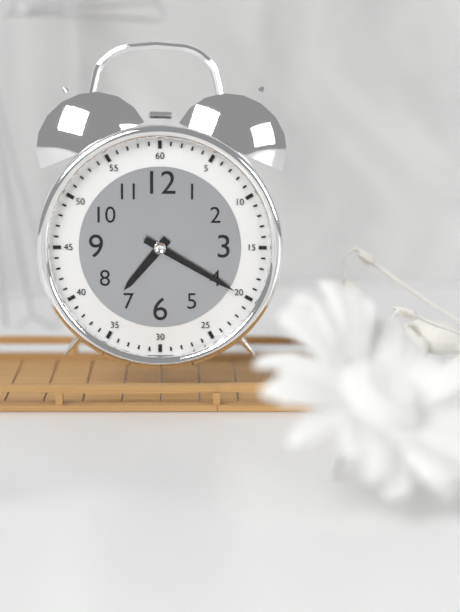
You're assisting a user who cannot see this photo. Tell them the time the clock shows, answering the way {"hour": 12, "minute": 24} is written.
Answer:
{"hour": 7, "minute": 20}
